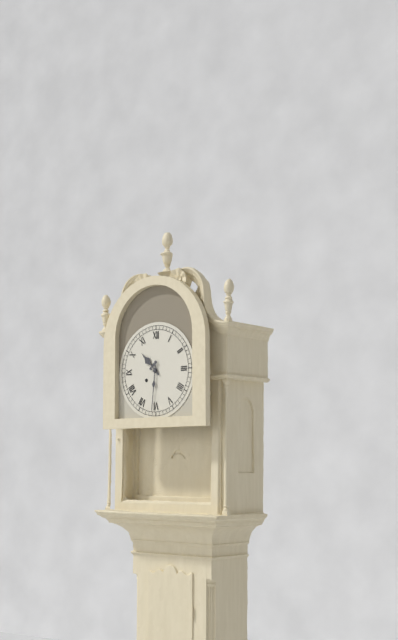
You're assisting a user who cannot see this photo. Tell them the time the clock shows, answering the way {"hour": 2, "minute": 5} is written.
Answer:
{"hour": 10, "minute": 31}
